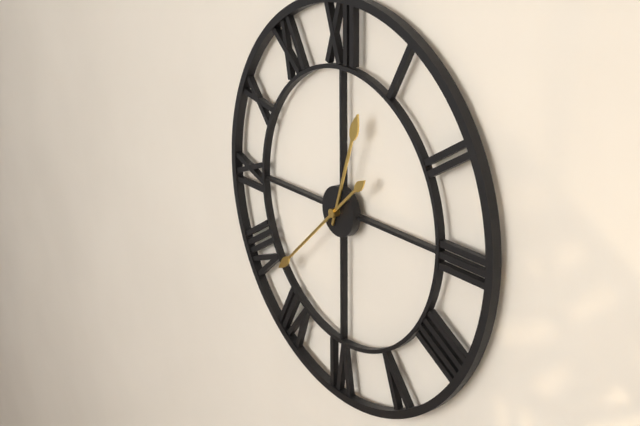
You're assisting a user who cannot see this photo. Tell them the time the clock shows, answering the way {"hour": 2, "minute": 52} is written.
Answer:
{"hour": 12, "minute": 38}
